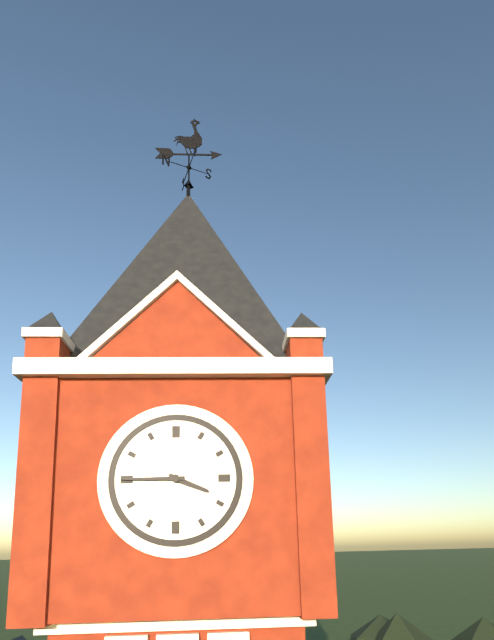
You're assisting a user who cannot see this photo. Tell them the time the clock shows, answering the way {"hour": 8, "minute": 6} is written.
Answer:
{"hour": 3, "minute": 45}
